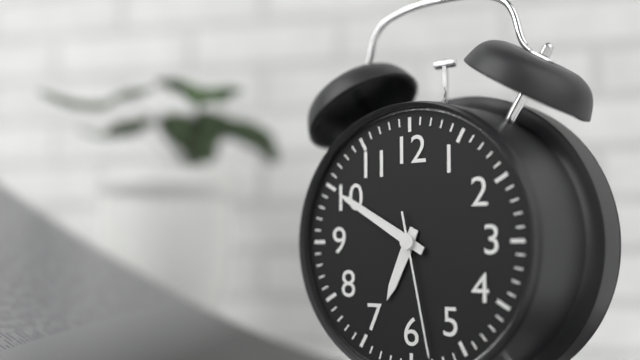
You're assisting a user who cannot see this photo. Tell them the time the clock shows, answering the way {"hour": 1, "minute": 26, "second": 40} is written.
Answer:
{"hour": 6, "minute": 50, "second": 28}
